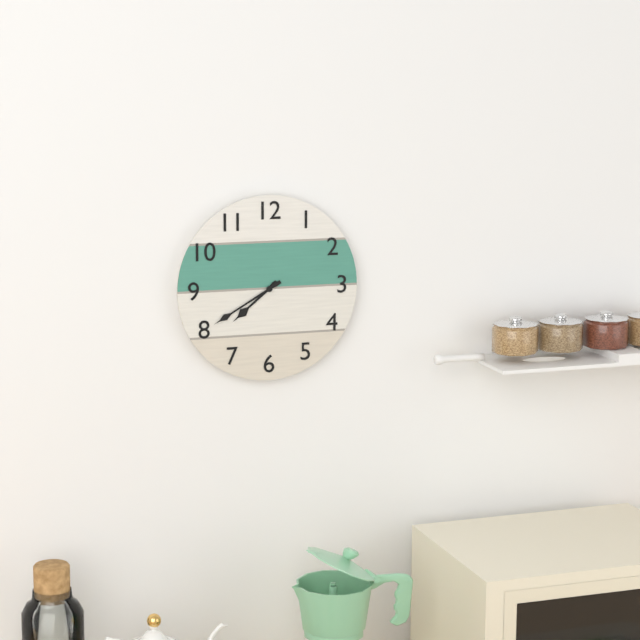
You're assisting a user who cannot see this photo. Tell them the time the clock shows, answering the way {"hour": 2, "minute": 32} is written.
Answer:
{"hour": 7, "minute": 40}
